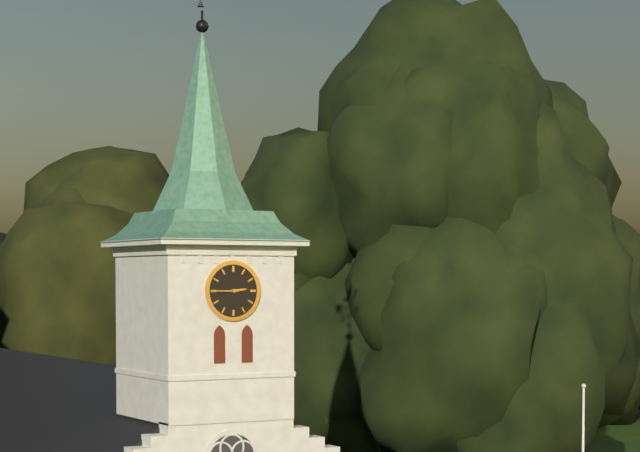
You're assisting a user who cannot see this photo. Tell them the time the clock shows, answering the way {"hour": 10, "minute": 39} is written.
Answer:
{"hour": 2, "minute": 45}
